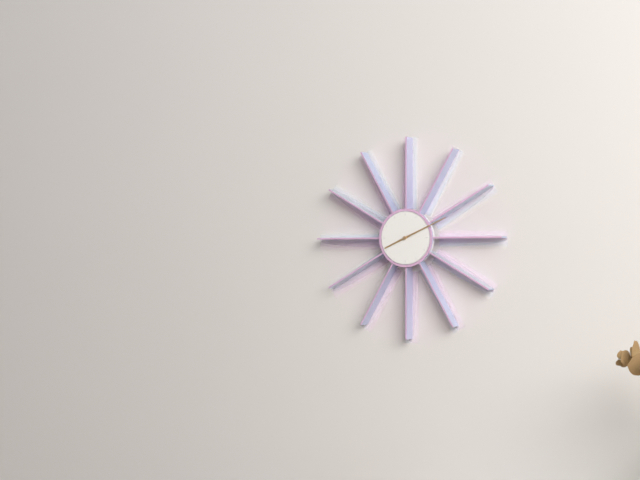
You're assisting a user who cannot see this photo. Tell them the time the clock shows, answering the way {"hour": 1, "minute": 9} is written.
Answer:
{"hour": 8, "minute": 11}
